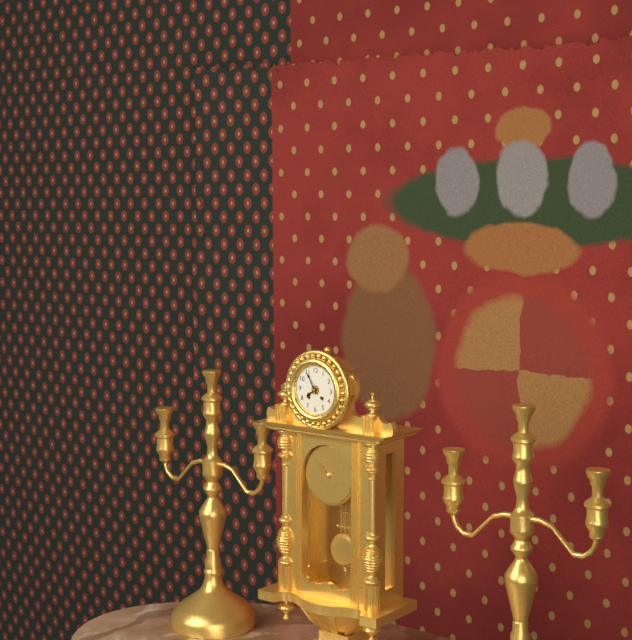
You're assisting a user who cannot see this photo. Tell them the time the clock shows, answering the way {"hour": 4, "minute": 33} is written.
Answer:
{"hour": 7, "minute": 55}
